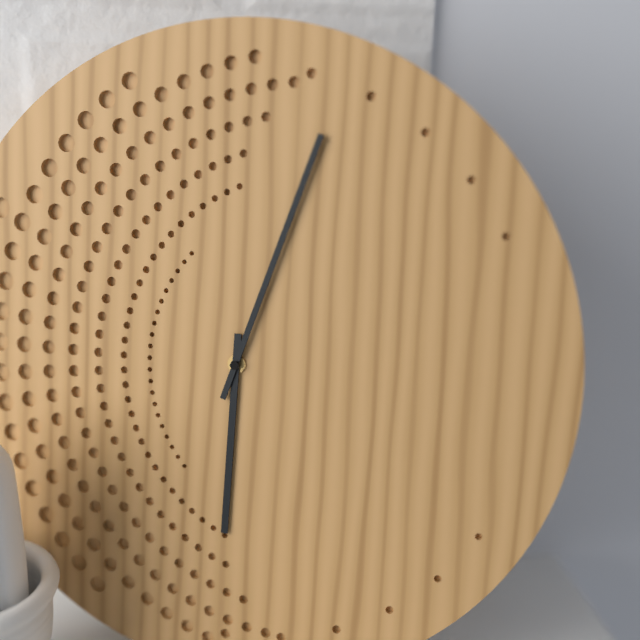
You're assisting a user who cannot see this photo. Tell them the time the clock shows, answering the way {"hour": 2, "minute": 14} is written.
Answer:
{"hour": 6, "minute": 3}
